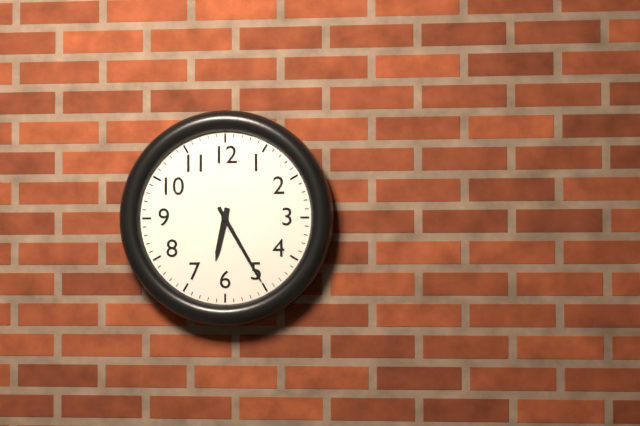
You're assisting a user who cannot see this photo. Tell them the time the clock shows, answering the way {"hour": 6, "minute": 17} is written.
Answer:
{"hour": 6, "minute": 25}
